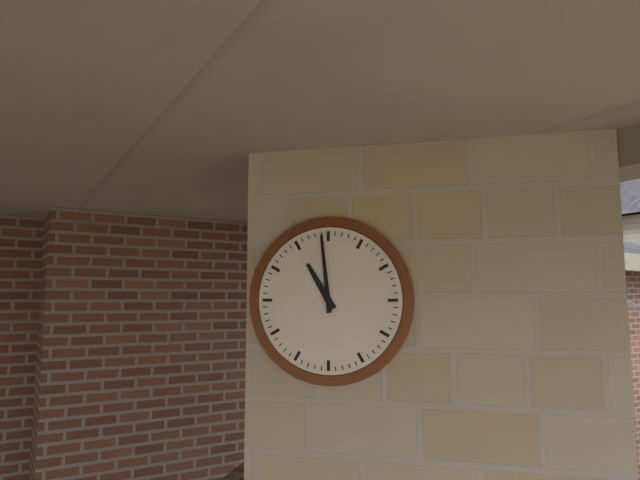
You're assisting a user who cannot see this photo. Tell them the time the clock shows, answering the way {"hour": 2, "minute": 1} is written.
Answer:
{"hour": 10, "minute": 59}
